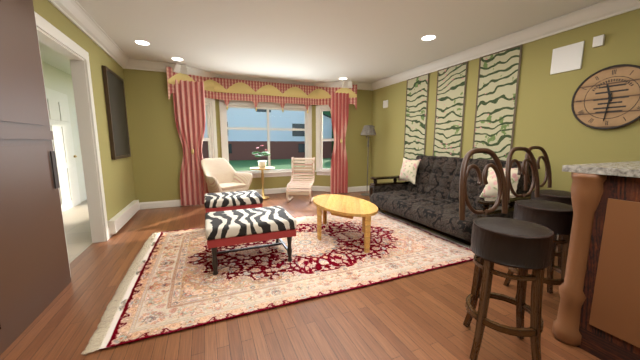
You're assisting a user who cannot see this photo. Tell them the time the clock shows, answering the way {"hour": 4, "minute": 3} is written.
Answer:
{"hour": 11, "minute": 31}
